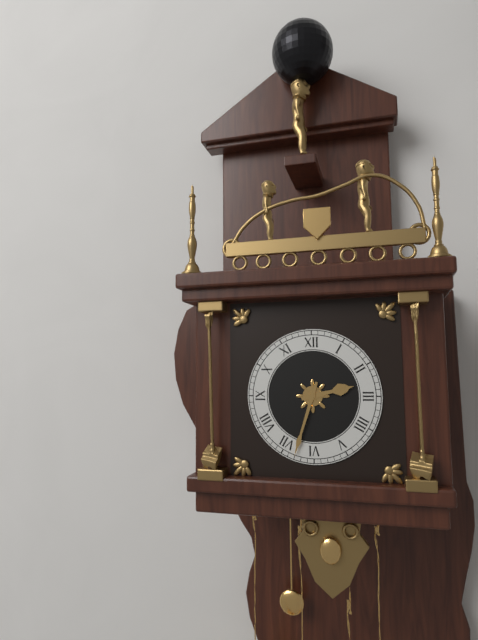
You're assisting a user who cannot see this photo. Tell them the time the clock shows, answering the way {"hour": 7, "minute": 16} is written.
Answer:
{"hour": 2, "minute": 33}
